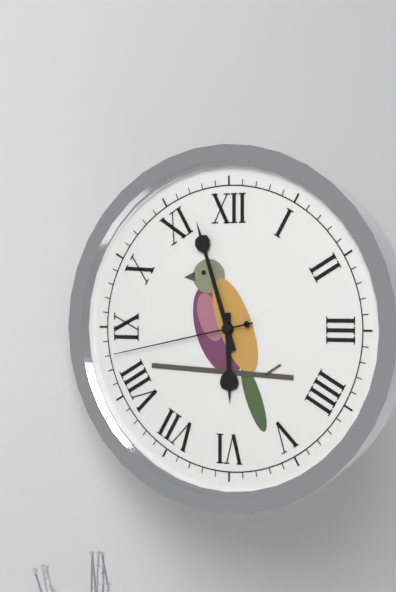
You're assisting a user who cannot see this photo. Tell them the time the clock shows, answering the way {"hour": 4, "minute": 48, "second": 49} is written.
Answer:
{"hour": 5, "minute": 57, "second": 43}
